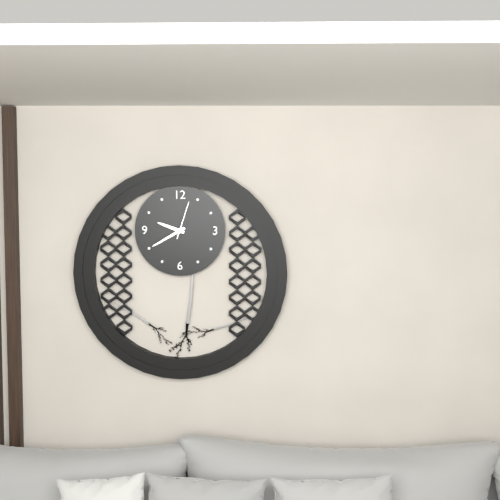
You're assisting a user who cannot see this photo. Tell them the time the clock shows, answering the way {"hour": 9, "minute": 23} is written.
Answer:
{"hour": 9, "minute": 40}
